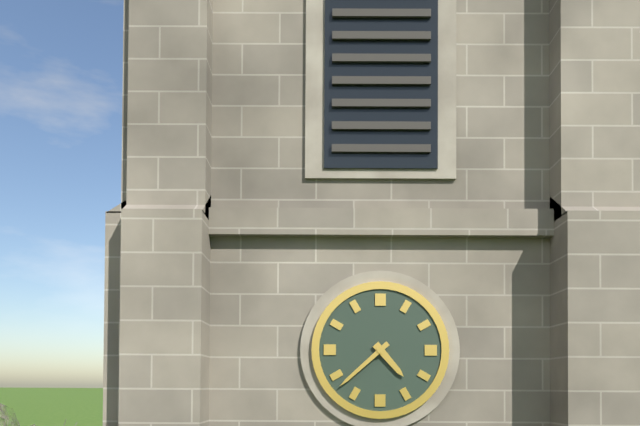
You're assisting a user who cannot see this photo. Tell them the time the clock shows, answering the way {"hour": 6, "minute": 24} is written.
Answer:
{"hour": 4, "minute": 38}
